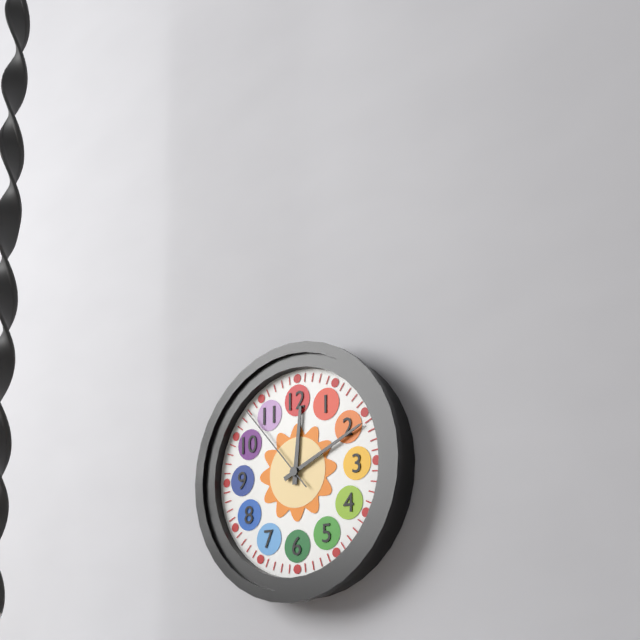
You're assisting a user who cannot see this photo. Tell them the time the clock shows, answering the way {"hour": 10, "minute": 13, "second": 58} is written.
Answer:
{"hour": 12, "minute": 11, "second": 53}
